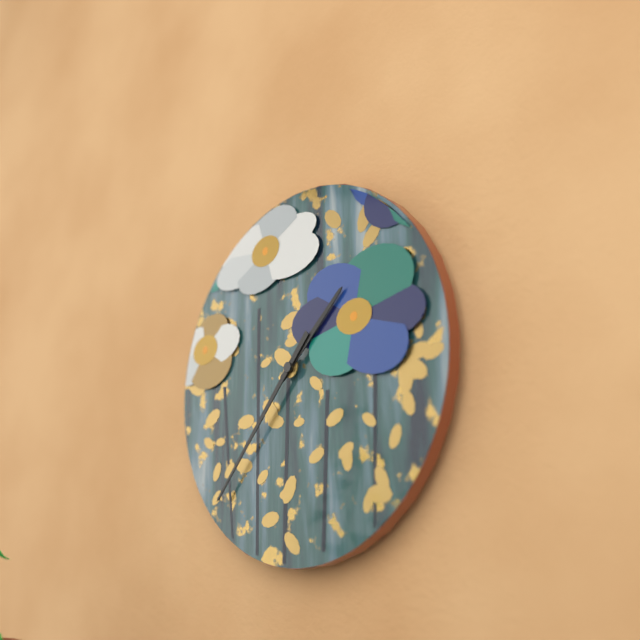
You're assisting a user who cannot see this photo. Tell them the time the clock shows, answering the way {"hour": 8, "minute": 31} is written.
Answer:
{"hour": 1, "minute": 37}
